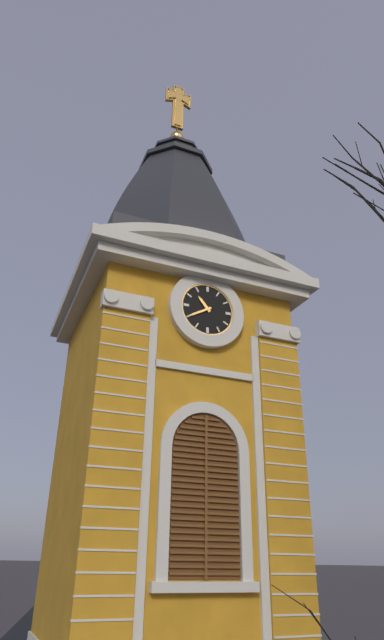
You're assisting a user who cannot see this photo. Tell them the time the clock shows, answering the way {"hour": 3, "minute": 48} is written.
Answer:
{"hour": 10, "minute": 40}
